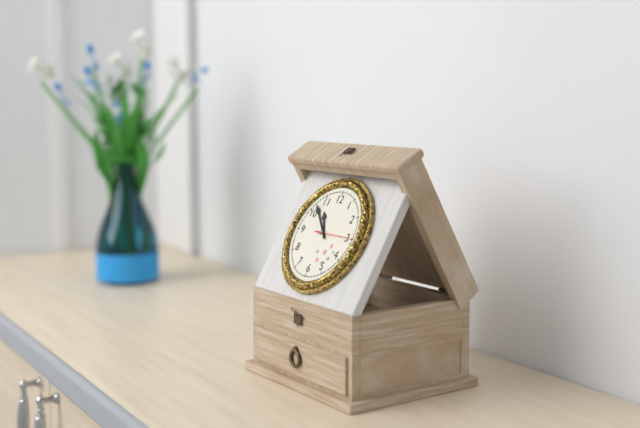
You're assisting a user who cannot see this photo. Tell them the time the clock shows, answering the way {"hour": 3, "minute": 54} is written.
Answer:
{"hour": 10, "minute": 52}
